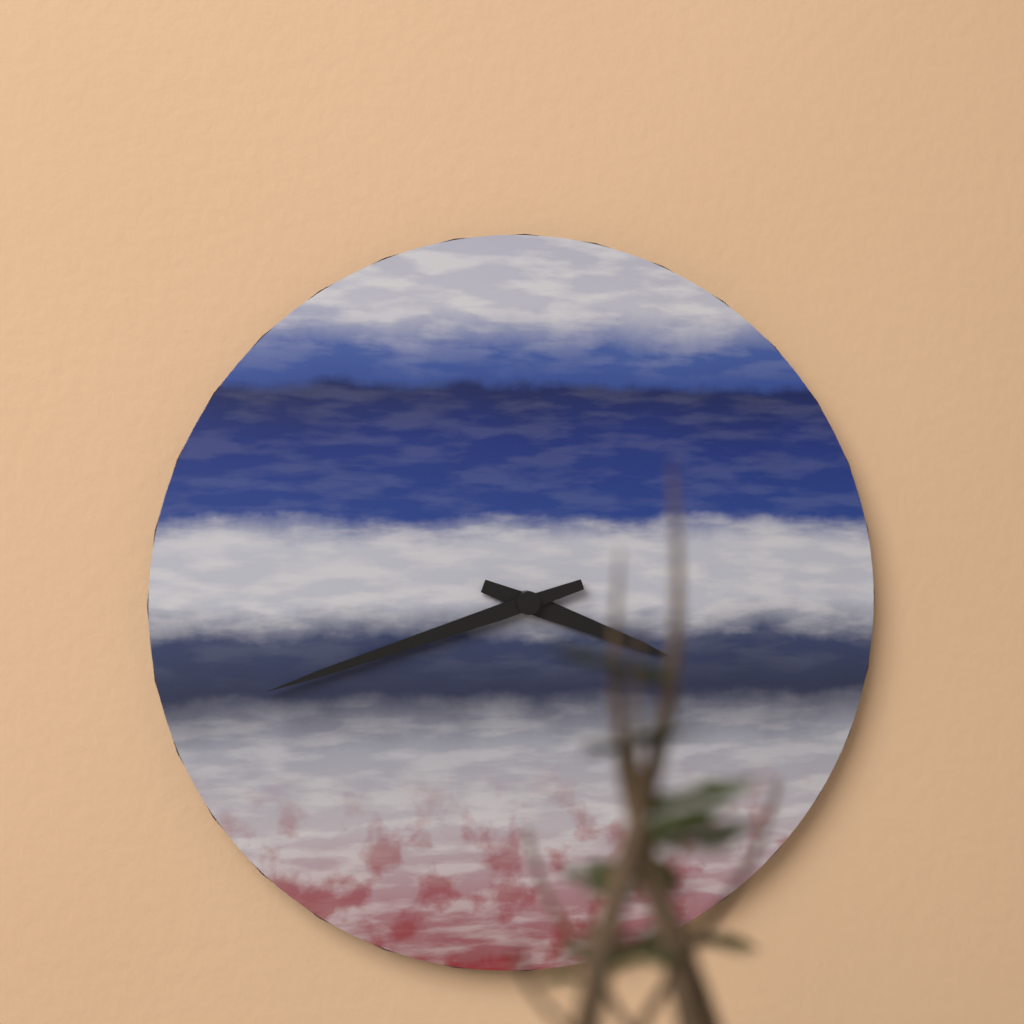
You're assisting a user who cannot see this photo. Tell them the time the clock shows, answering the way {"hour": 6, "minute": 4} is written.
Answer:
{"hour": 3, "minute": 42}
